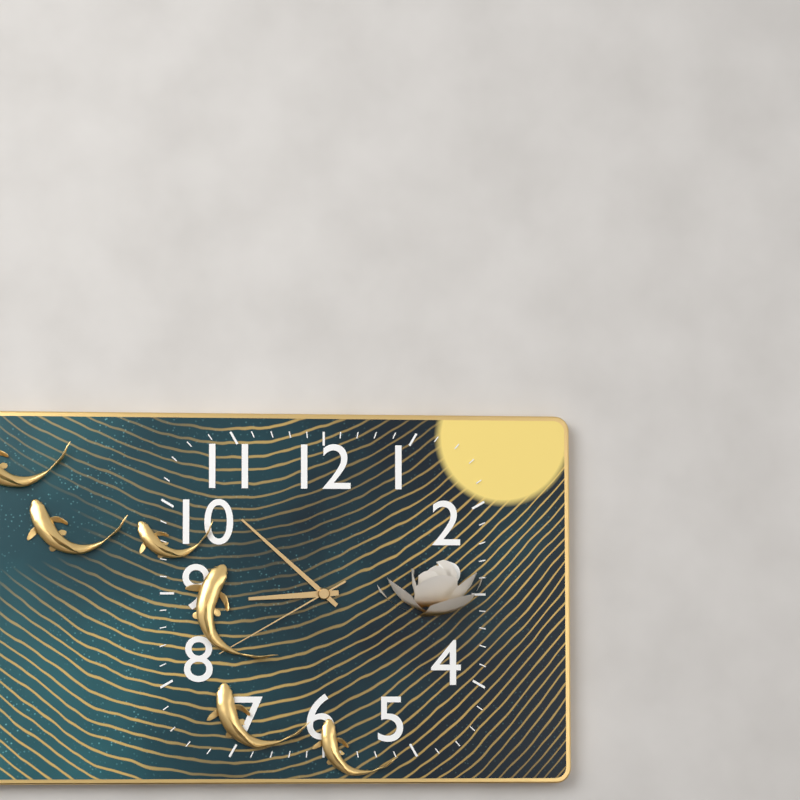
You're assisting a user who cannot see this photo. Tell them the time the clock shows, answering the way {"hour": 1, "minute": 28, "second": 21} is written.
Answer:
{"hour": 8, "minute": 52, "second": 40}
